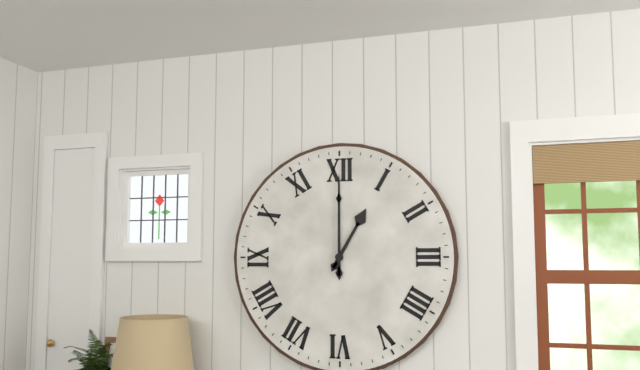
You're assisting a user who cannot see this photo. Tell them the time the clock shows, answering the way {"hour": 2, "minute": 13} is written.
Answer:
{"hour": 1, "minute": 0}
